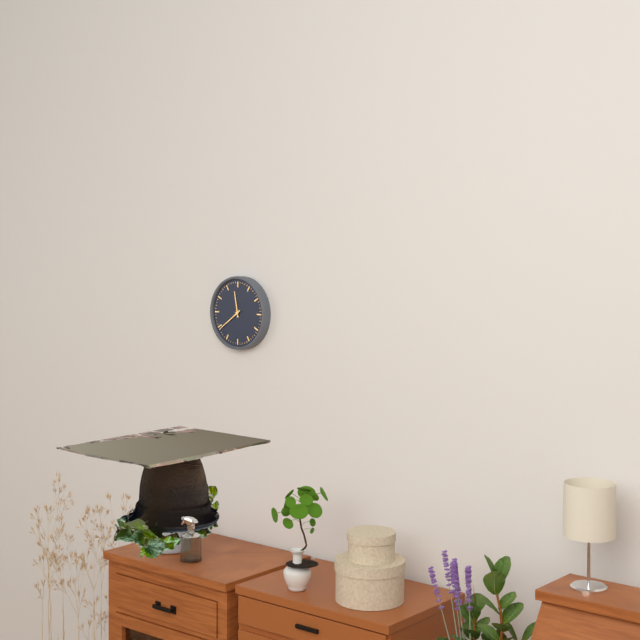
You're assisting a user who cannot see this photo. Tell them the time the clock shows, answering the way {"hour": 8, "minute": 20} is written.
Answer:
{"hour": 11, "minute": 39}
